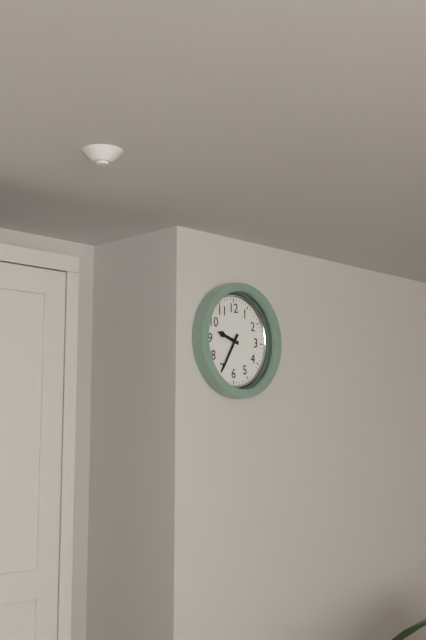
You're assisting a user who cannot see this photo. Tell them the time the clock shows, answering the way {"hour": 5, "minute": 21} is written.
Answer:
{"hour": 9, "minute": 35}
